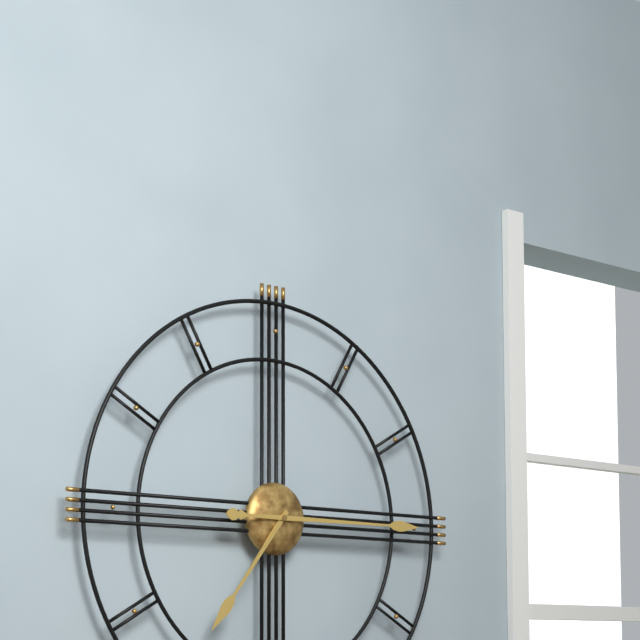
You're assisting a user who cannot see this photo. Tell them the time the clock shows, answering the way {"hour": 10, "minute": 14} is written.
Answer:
{"hour": 7, "minute": 15}
